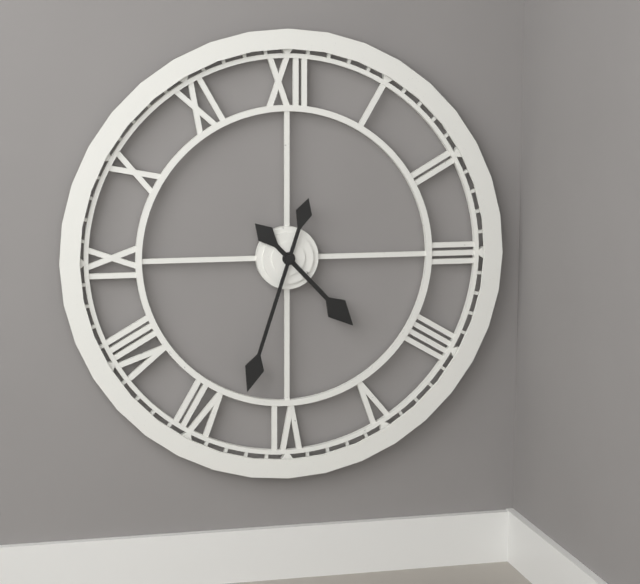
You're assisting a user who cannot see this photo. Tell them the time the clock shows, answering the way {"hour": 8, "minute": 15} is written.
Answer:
{"hour": 4, "minute": 33}
